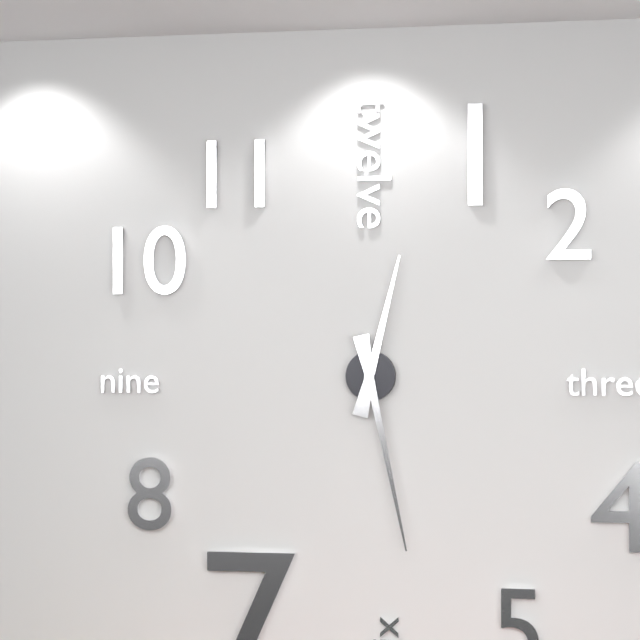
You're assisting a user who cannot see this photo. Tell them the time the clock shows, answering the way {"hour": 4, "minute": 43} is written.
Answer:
{"hour": 12, "minute": 28}
